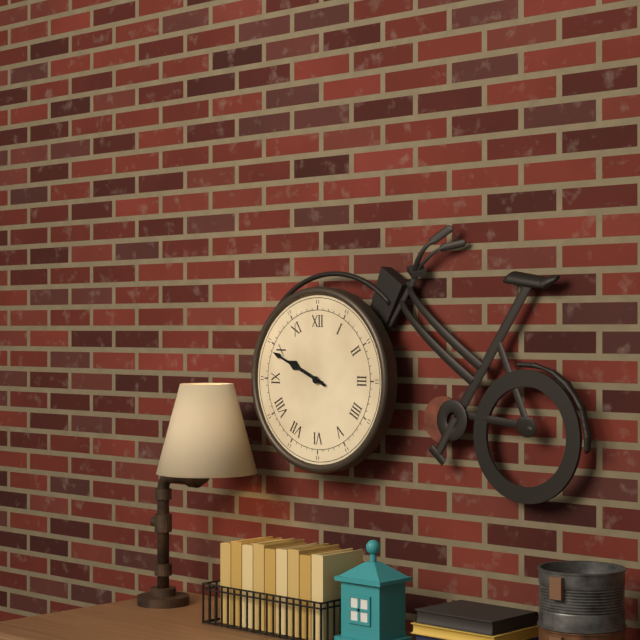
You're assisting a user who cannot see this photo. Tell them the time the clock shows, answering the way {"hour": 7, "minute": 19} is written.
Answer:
{"hour": 9, "minute": 49}
